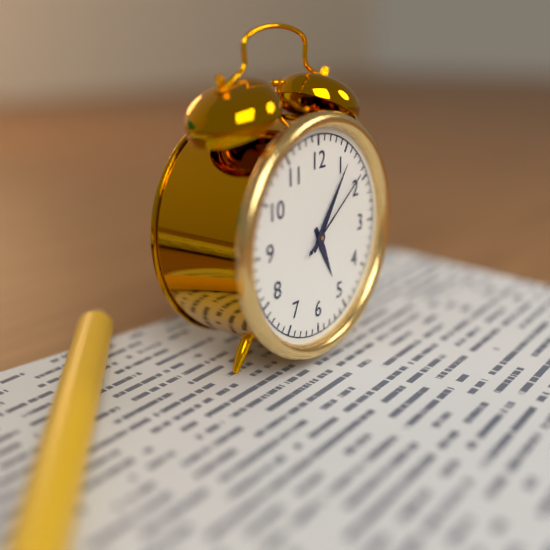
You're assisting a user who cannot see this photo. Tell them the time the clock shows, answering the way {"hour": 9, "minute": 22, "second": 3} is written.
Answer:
{"hour": 5, "minute": 6, "second": 9}
